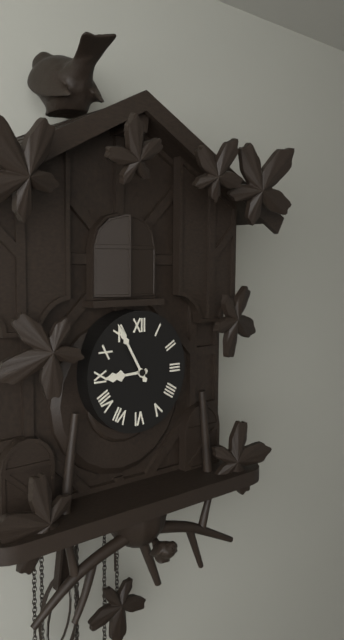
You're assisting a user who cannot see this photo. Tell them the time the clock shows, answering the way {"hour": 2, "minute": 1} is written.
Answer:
{"hour": 8, "minute": 55}
